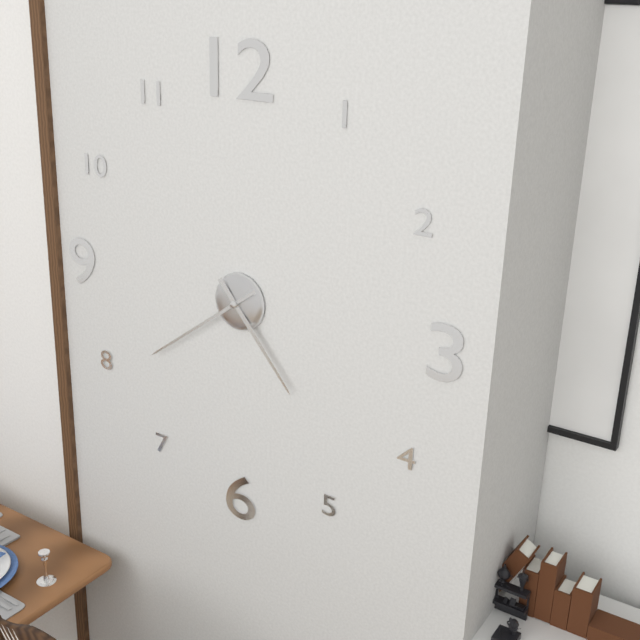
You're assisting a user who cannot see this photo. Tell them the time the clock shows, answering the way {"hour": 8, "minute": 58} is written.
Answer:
{"hour": 4, "minute": 39}
